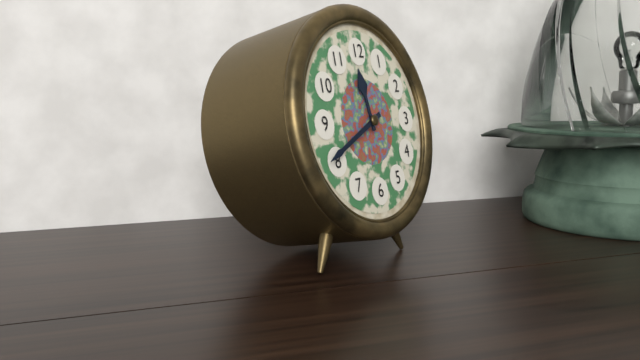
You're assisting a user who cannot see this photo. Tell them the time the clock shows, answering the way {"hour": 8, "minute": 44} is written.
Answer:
{"hour": 11, "minute": 41}
